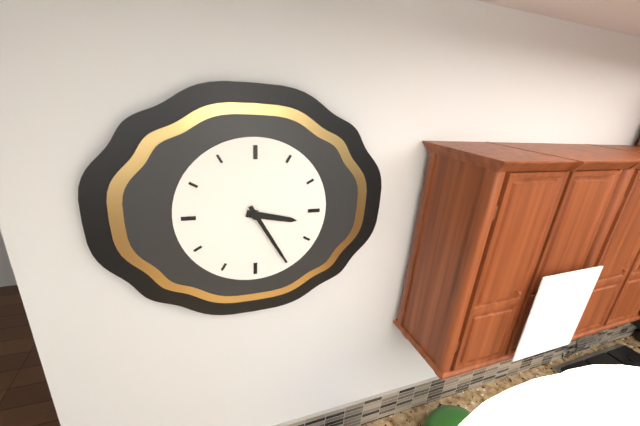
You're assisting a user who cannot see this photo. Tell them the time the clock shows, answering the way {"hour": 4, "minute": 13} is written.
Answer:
{"hour": 3, "minute": 25}
